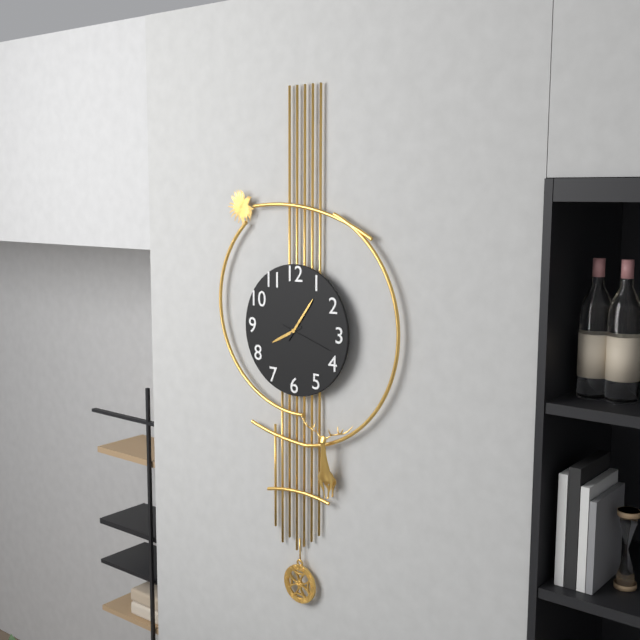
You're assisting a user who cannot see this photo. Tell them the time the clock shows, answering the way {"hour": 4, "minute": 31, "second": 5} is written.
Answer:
{"hour": 8, "minute": 6, "second": 18}
